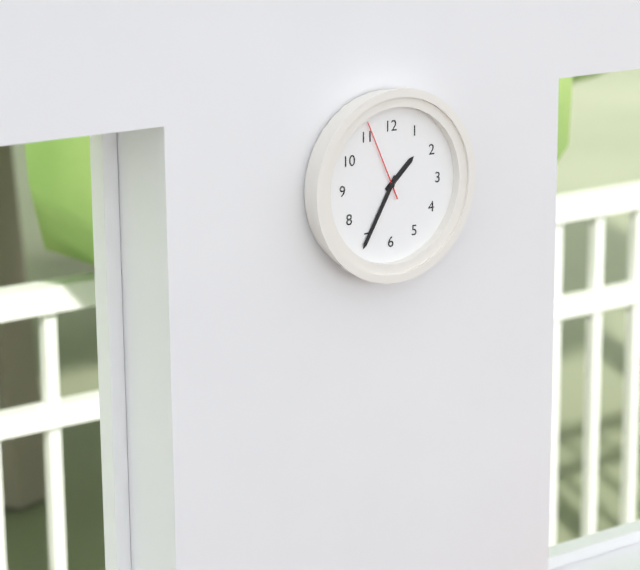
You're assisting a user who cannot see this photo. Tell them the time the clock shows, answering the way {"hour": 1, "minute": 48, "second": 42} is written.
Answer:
{"hour": 1, "minute": 35, "second": 56}
